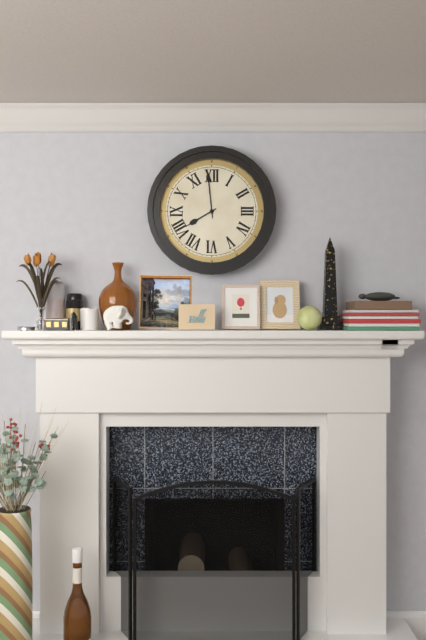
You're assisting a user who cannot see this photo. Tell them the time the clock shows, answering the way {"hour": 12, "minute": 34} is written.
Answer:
{"hour": 7, "minute": 59}
